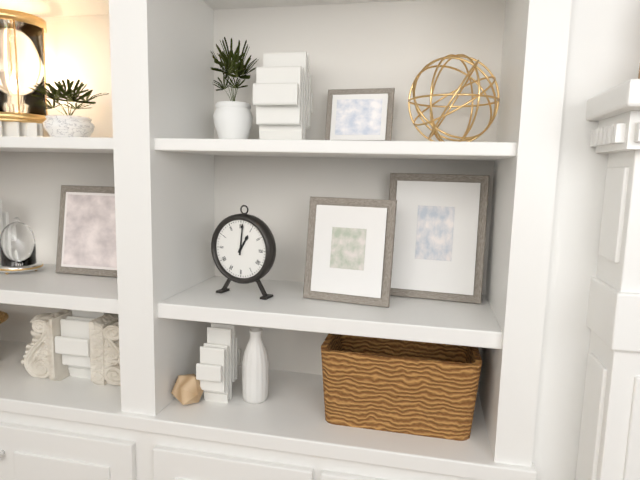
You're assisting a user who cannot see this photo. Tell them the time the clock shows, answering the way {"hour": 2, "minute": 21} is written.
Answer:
{"hour": 1, "minute": 1}
